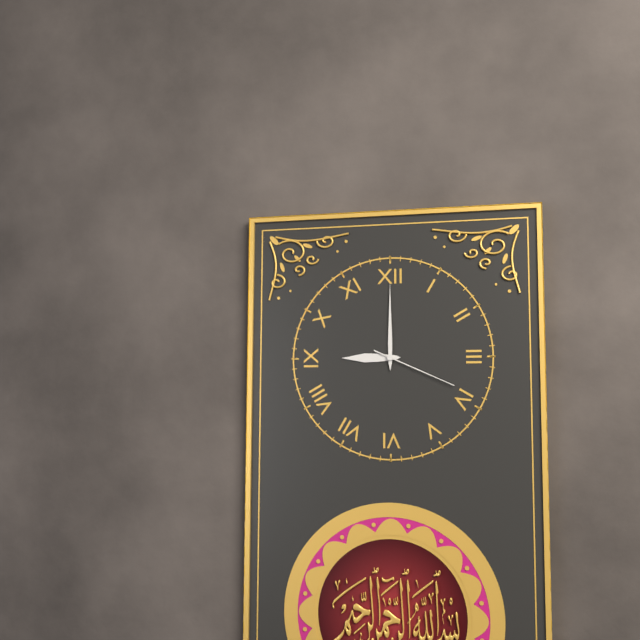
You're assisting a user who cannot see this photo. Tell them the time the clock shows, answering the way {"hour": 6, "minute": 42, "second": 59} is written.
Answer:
{"hour": 9, "minute": 0, "second": 19}
